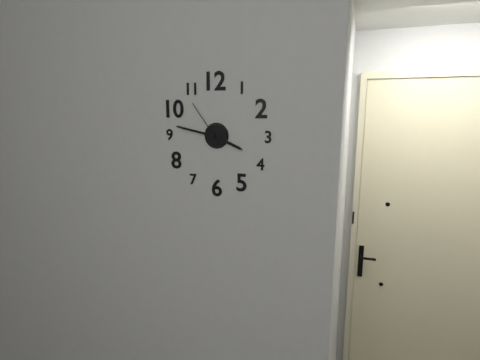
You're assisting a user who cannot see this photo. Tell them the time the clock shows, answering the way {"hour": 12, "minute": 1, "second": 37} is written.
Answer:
{"hour": 3, "minute": 47, "second": 54}
